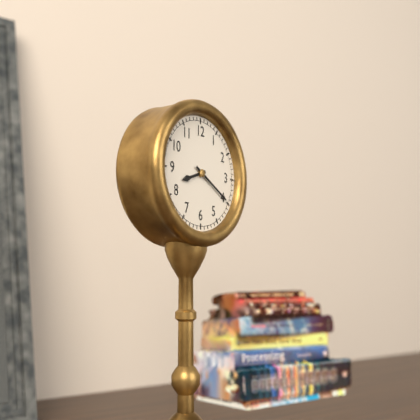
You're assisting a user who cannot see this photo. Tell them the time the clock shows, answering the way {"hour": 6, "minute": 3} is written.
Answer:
{"hour": 8, "minute": 20}
